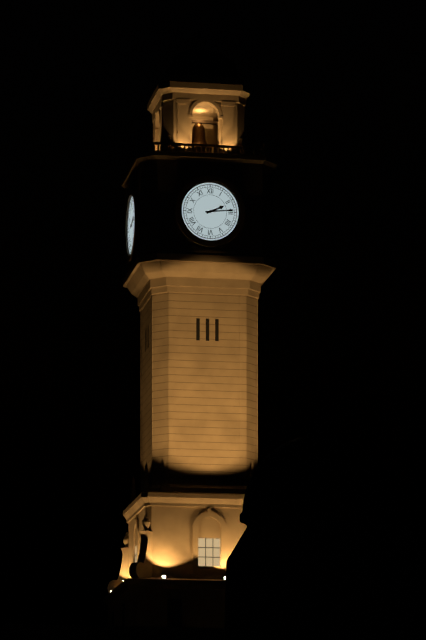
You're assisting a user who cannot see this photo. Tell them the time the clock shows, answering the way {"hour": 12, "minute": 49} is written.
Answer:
{"hour": 2, "minute": 14}
